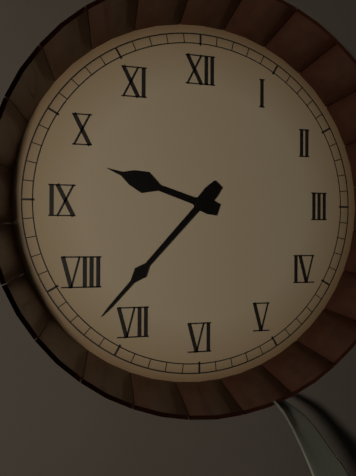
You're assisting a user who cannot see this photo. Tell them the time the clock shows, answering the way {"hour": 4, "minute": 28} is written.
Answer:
{"hour": 9, "minute": 37}
